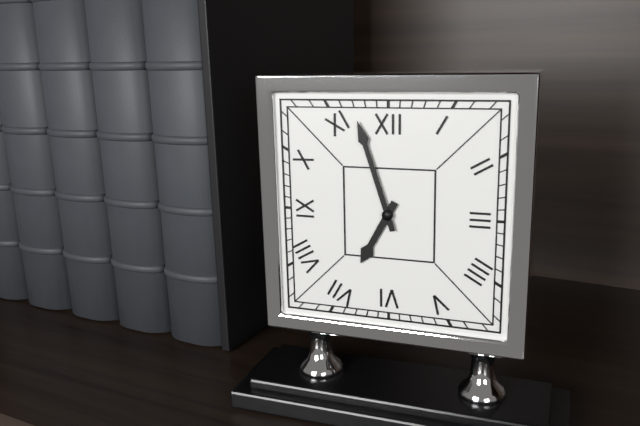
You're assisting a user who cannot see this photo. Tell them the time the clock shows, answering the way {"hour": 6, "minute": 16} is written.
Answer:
{"hour": 6, "minute": 57}
